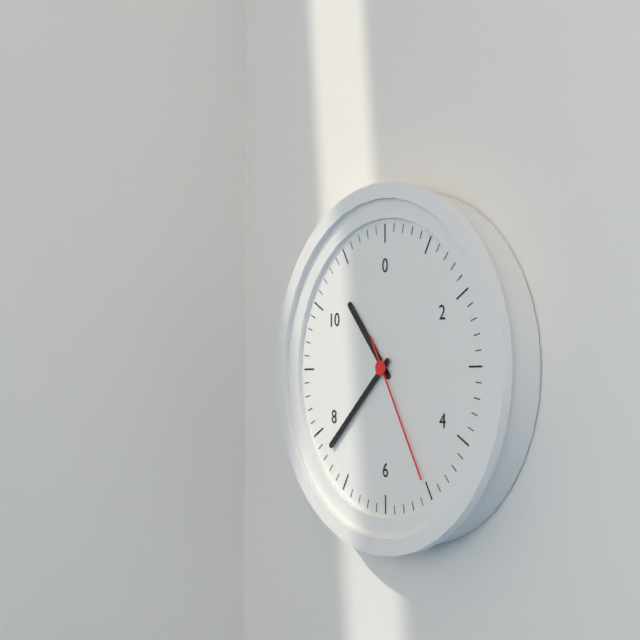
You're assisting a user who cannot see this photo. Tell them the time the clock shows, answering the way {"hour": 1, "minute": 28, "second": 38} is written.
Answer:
{"hour": 10, "minute": 38, "second": 25}
